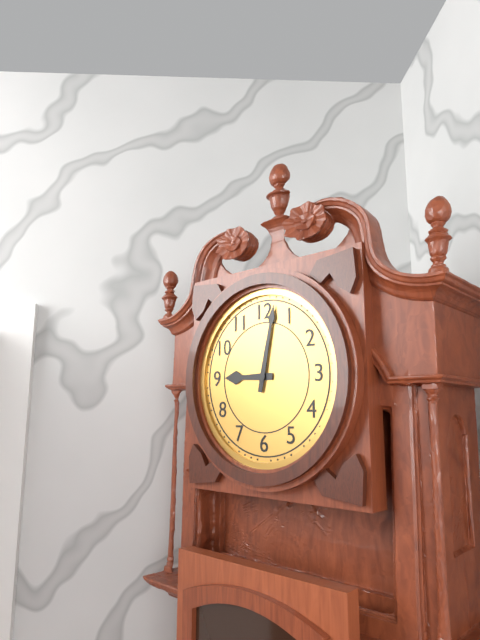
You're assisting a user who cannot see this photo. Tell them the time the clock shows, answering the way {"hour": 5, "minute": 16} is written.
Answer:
{"hour": 9, "minute": 2}
